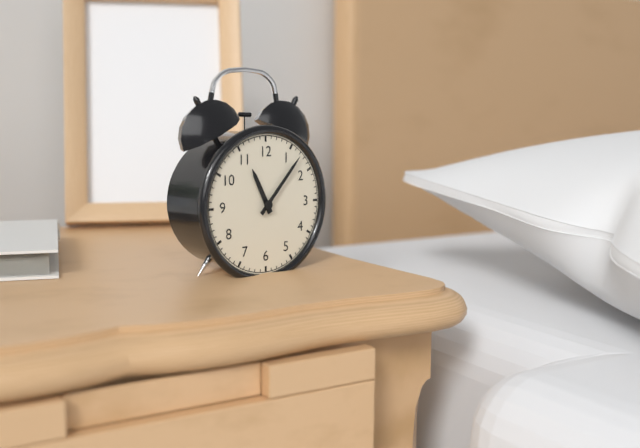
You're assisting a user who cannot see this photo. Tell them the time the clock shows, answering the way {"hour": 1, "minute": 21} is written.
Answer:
{"hour": 11, "minute": 7}
